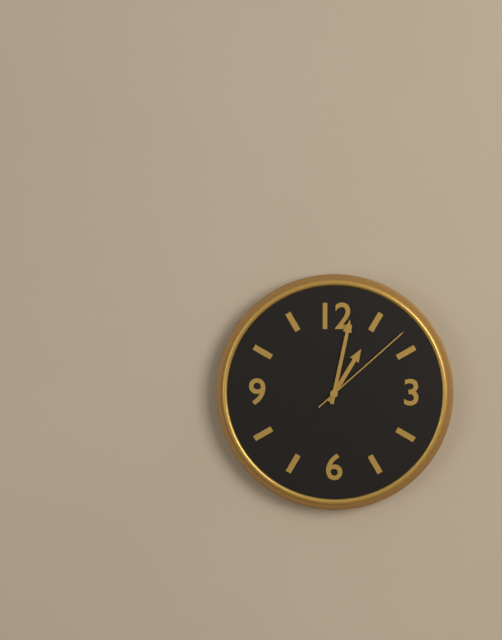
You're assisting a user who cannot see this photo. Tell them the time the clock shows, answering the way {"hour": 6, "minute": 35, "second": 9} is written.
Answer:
{"hour": 1, "minute": 2, "second": 8}
